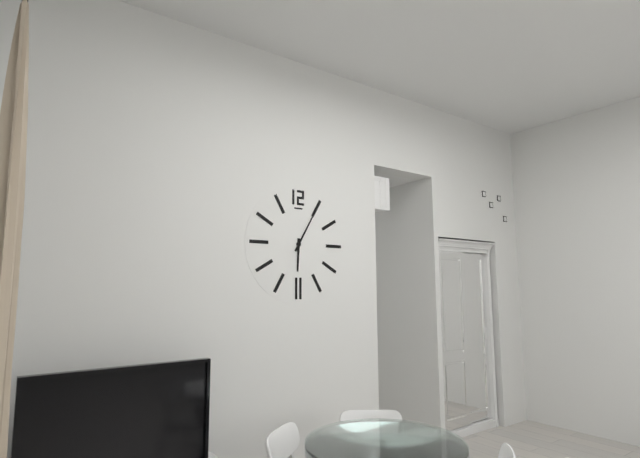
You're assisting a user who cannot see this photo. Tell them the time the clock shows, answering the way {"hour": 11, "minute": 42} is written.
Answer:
{"hour": 6, "minute": 5}
